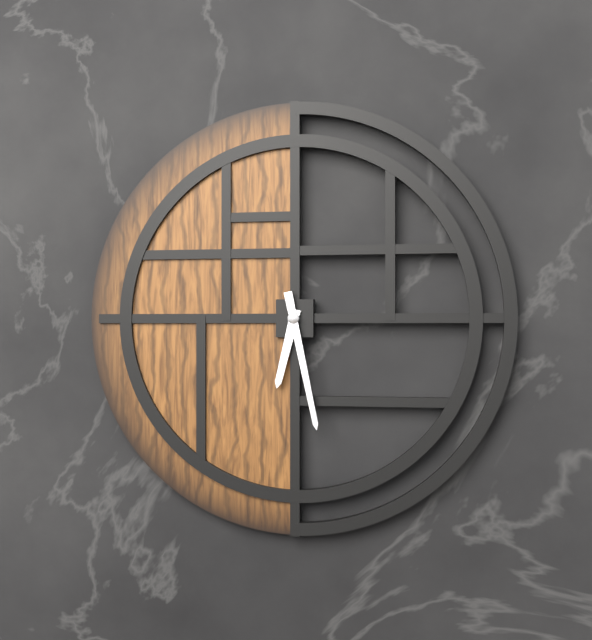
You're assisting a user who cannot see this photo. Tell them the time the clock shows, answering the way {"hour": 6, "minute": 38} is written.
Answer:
{"hour": 6, "minute": 28}
